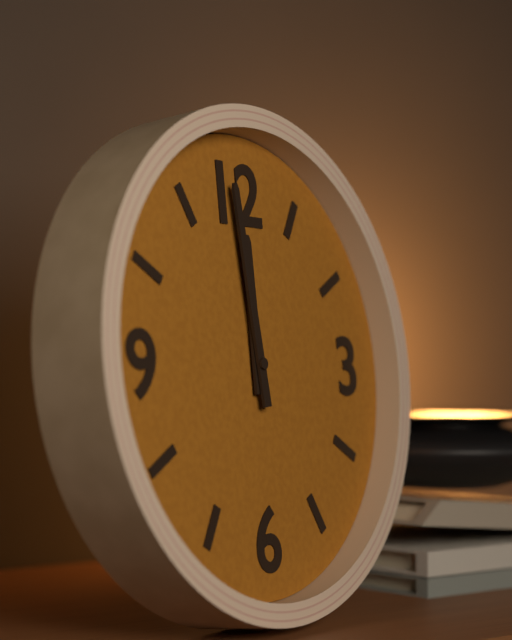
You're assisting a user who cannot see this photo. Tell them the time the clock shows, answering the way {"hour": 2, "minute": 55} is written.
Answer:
{"hour": 11, "minute": 59}
